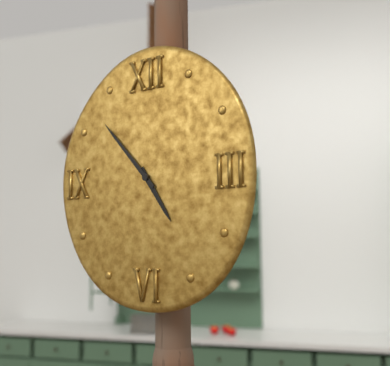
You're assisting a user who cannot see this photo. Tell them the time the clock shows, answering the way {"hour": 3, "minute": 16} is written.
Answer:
{"hour": 4, "minute": 53}
